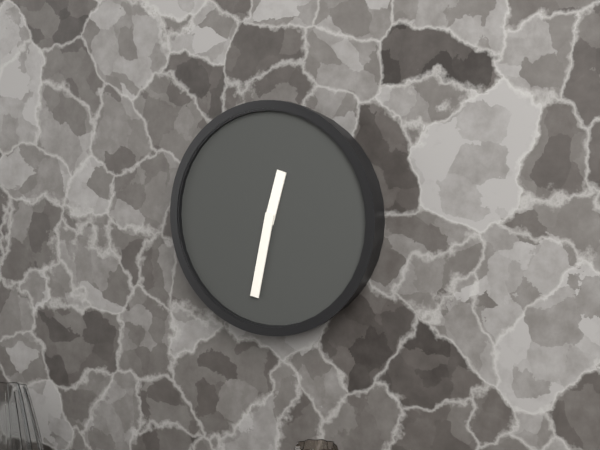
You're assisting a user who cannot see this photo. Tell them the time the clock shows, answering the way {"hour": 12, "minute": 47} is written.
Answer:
{"hour": 12, "minute": 32}
